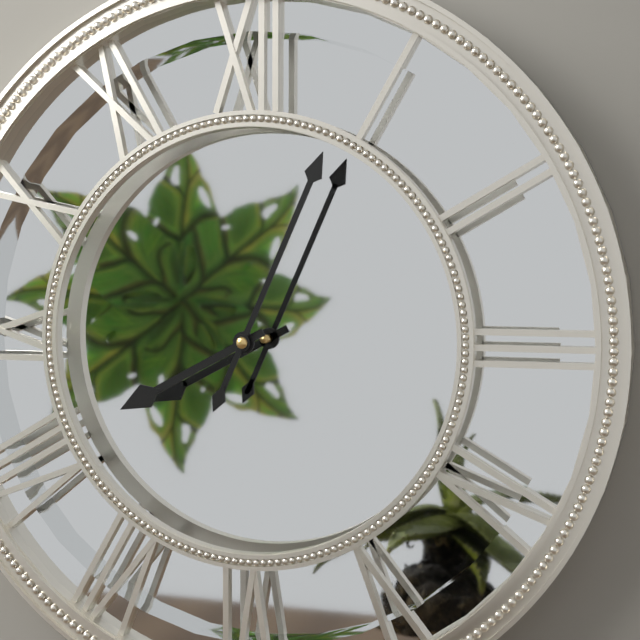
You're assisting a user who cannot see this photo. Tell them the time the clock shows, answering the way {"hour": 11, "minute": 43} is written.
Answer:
{"hour": 8, "minute": 4}
